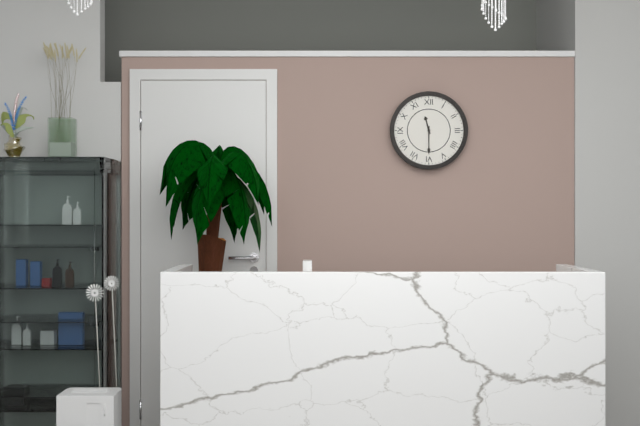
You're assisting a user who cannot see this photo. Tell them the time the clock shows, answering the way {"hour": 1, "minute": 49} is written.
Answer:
{"hour": 11, "minute": 30}
